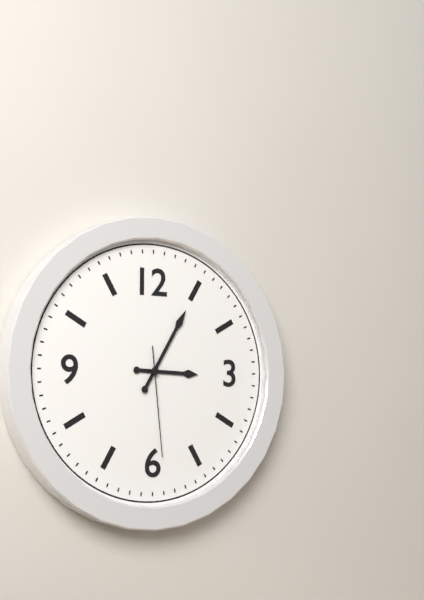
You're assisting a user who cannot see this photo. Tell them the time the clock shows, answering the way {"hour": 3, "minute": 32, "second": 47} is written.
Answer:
{"hour": 3, "minute": 5, "second": 29}
